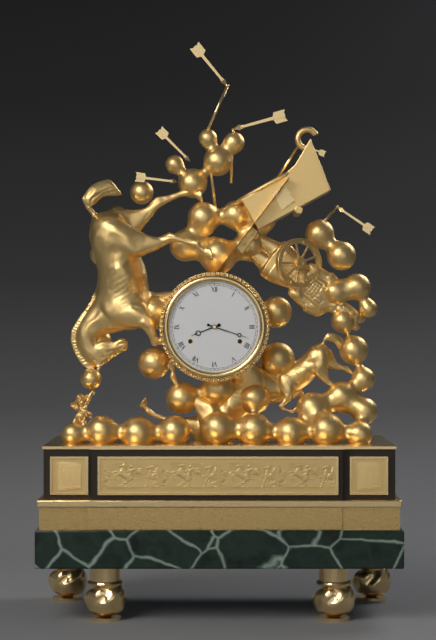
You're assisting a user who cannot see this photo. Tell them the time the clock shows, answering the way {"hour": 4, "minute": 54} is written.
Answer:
{"hour": 8, "minute": 18}
